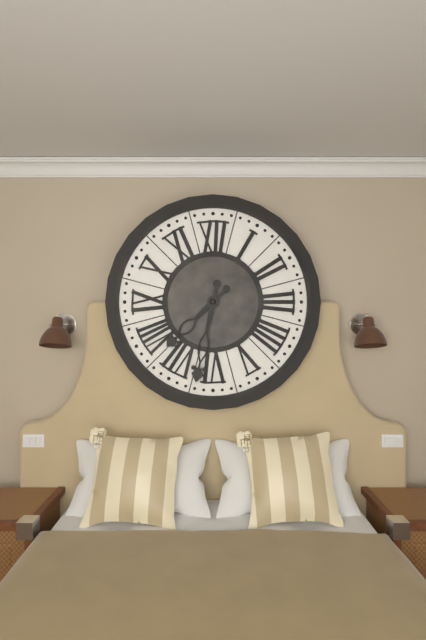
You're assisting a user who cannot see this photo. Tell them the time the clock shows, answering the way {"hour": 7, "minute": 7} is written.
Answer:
{"hour": 7, "minute": 32}
